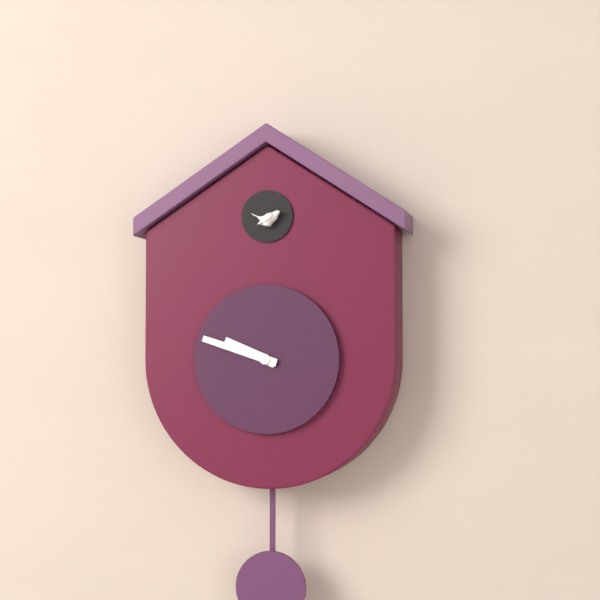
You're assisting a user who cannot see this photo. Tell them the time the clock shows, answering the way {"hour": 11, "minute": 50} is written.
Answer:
{"hour": 9, "minute": 48}
